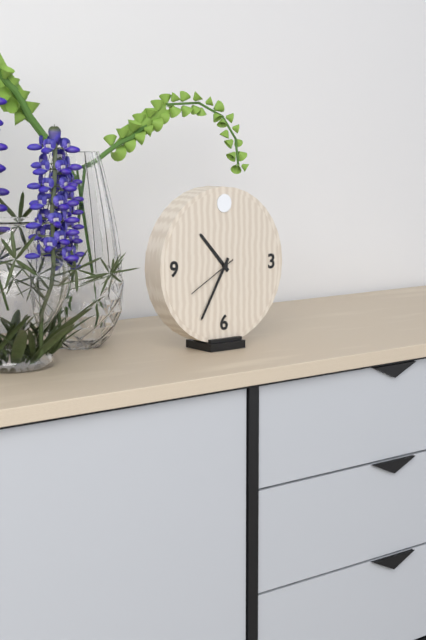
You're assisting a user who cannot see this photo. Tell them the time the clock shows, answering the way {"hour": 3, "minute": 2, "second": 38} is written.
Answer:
{"hour": 10, "minute": 35, "second": 40}
